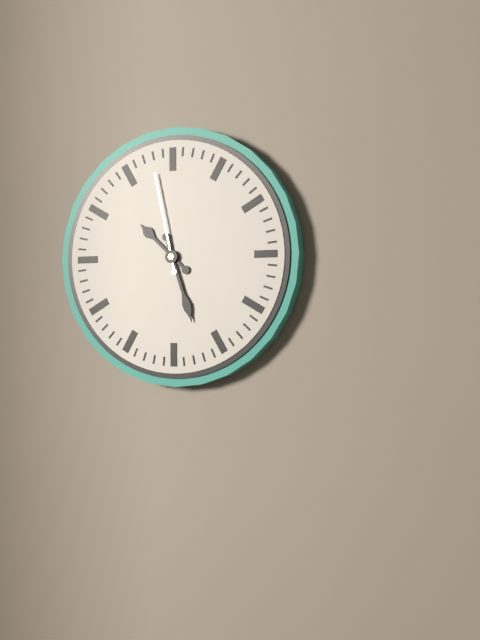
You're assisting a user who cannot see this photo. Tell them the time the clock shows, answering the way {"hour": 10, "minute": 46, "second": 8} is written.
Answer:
{"hour": 10, "minute": 27, "second": 58}
